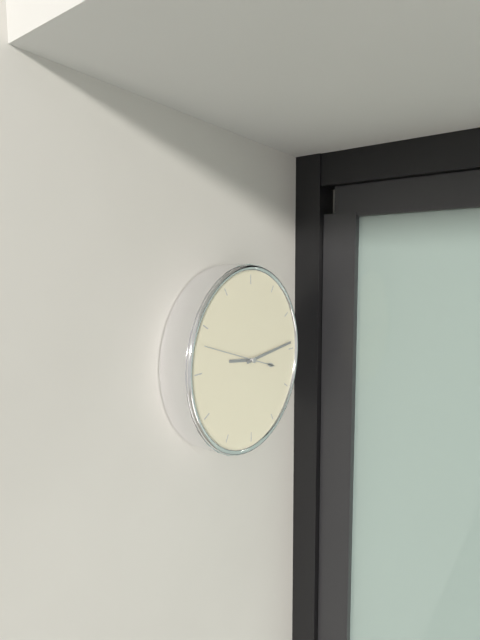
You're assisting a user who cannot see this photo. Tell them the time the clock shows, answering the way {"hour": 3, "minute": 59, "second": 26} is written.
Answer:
{"hour": 9, "minute": 14, "second": 48}
